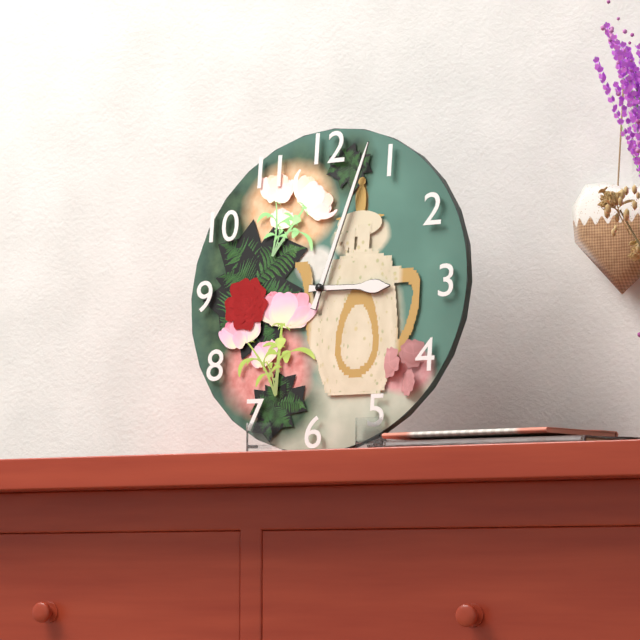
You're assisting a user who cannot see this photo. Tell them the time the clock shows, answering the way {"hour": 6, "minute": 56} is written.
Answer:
{"hour": 3, "minute": 3}
